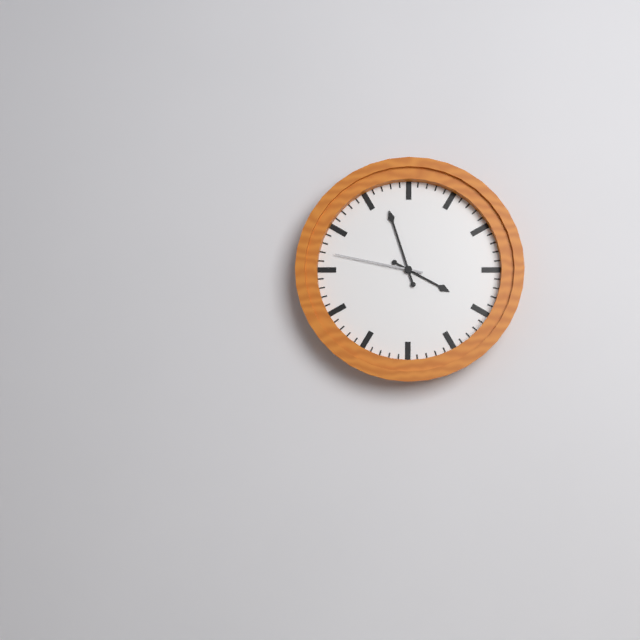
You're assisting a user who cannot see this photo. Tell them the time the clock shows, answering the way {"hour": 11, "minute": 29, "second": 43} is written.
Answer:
{"hour": 3, "minute": 57, "second": 47}
